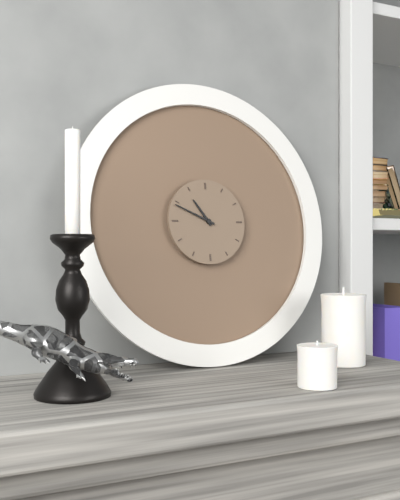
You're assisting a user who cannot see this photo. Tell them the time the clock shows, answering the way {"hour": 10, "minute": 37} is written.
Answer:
{"hour": 10, "minute": 49}
